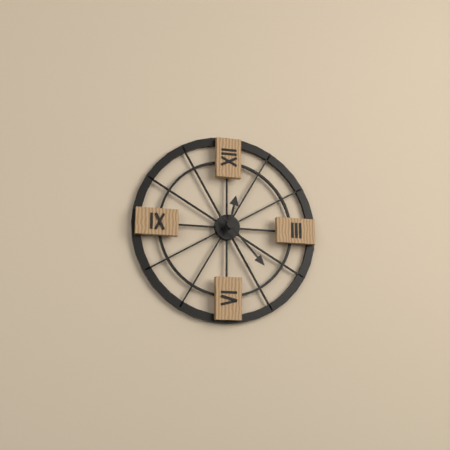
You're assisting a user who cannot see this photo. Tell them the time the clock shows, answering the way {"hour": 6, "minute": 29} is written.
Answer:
{"hour": 12, "minute": 23}
